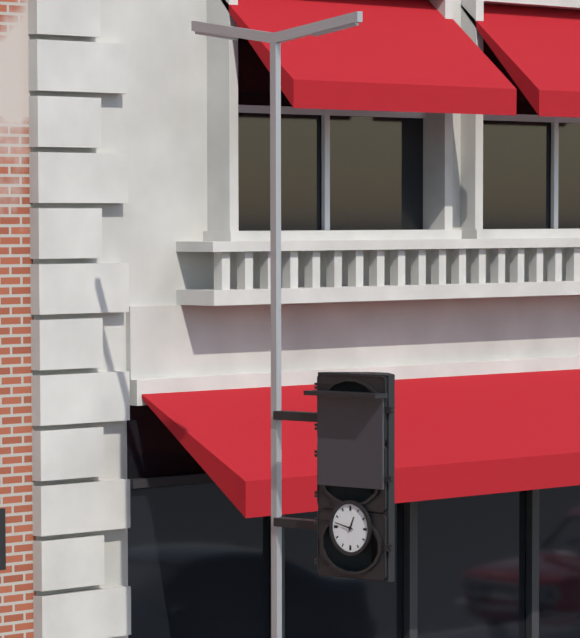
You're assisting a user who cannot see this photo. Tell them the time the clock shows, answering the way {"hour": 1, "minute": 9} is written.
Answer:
{"hour": 12, "minute": 47}
